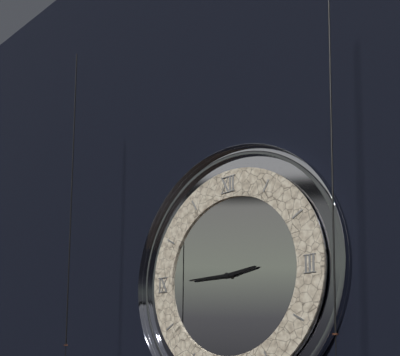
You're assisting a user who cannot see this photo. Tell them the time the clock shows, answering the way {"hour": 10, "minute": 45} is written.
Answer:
{"hour": 2, "minute": 45}
